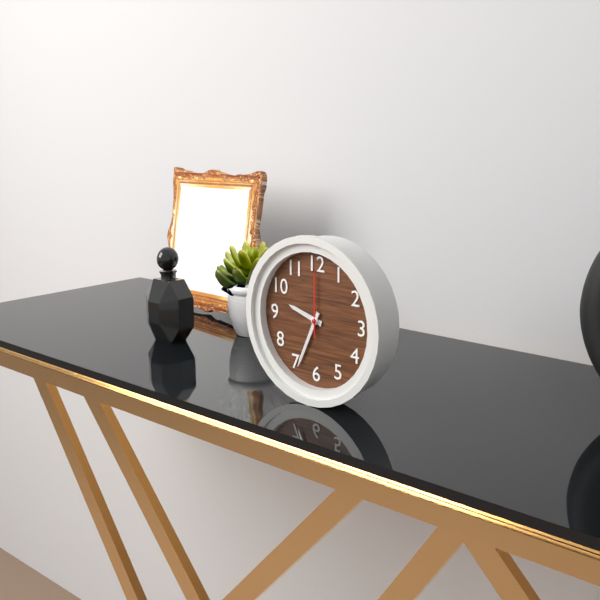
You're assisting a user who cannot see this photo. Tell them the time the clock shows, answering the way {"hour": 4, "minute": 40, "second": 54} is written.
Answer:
{"hour": 9, "minute": 34, "second": 0}
